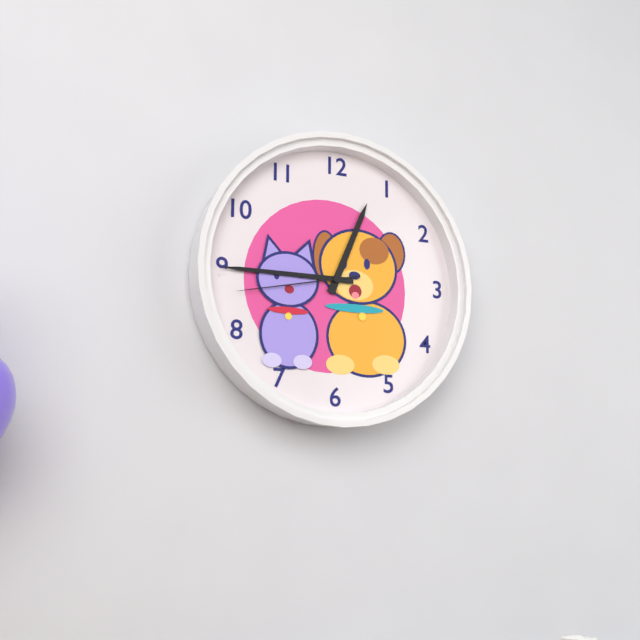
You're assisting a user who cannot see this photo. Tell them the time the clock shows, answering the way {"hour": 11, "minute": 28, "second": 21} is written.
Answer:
{"hour": 12, "minute": 45, "second": 43}
